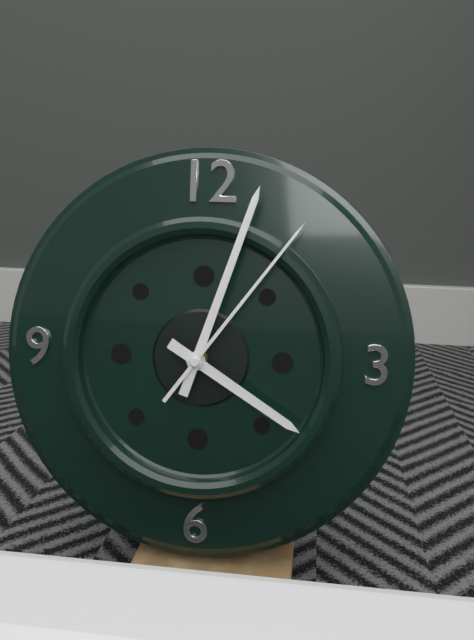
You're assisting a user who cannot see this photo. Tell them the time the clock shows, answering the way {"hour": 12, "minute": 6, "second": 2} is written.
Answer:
{"hour": 4, "minute": 3, "second": 6}
